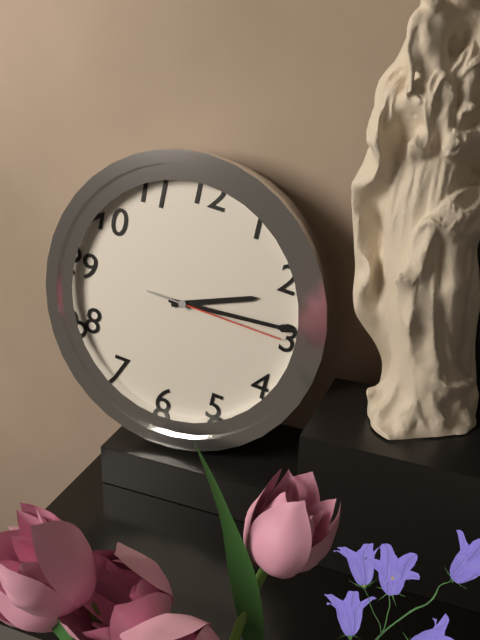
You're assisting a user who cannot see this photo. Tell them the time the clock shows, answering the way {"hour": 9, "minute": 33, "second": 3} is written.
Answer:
{"hour": 2, "minute": 14, "second": 15}
